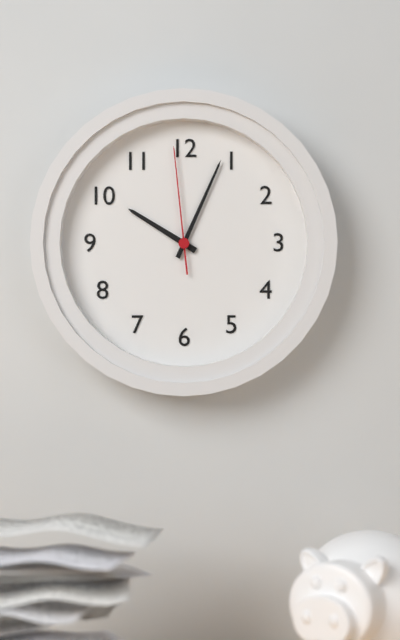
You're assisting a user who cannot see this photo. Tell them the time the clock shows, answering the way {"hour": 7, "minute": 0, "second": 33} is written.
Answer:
{"hour": 10, "minute": 4, "second": 59}
